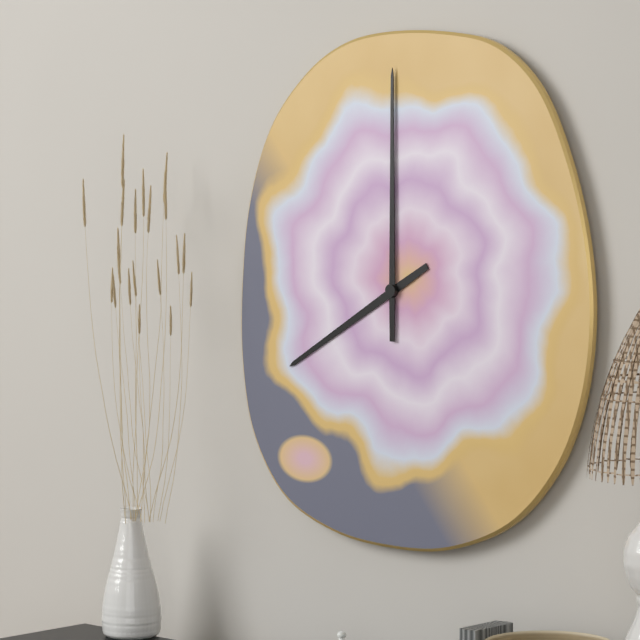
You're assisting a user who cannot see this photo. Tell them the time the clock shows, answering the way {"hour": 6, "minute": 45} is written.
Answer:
{"hour": 8, "minute": 0}
